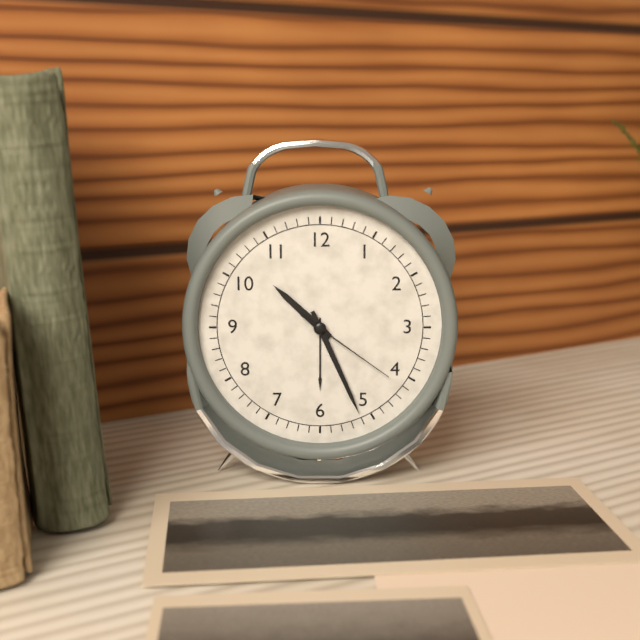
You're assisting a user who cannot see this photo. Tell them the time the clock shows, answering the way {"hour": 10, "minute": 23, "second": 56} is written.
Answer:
{"hour": 10, "minute": 26, "second": 21}
